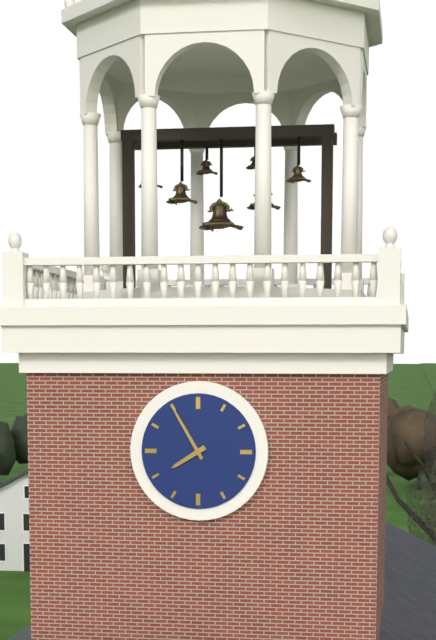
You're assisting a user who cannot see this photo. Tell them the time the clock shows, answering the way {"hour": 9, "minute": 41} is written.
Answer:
{"hour": 7, "minute": 55}
